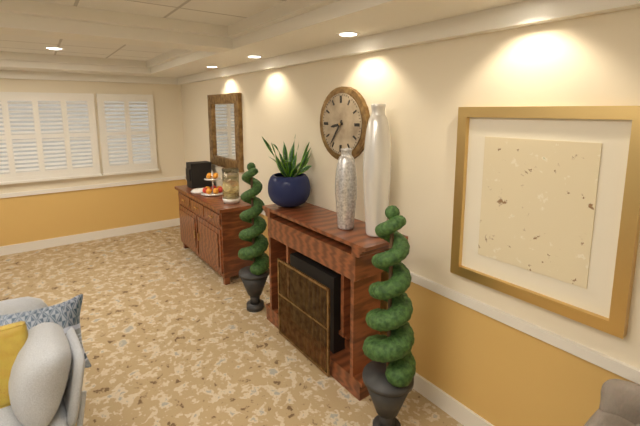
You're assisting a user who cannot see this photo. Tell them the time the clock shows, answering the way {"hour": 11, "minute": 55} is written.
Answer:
{"hour": 8, "minute": 36}
